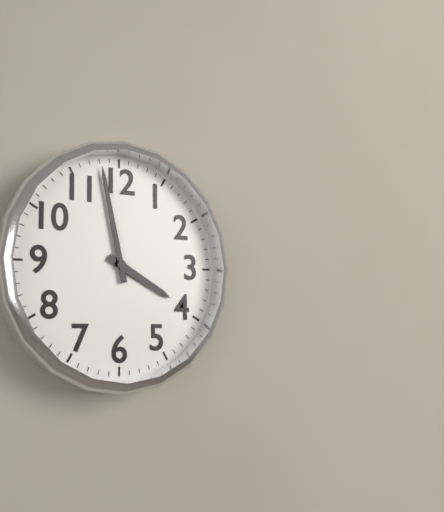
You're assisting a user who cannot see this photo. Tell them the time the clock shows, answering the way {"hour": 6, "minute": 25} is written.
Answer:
{"hour": 3, "minute": 58}
